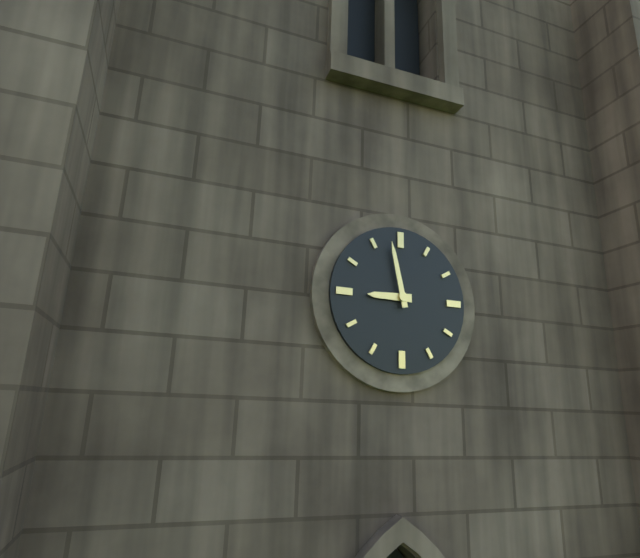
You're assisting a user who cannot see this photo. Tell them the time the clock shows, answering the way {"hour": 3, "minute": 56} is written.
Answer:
{"hour": 8, "minute": 58}
